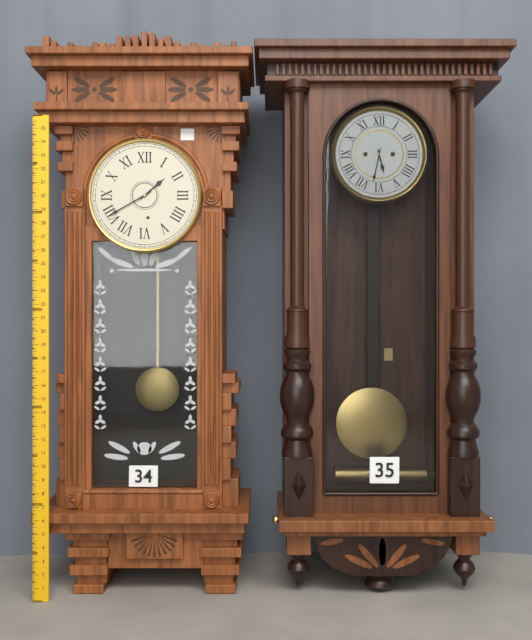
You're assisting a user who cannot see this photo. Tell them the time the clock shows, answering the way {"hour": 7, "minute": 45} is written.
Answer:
{"hour": 1, "minute": 40}
